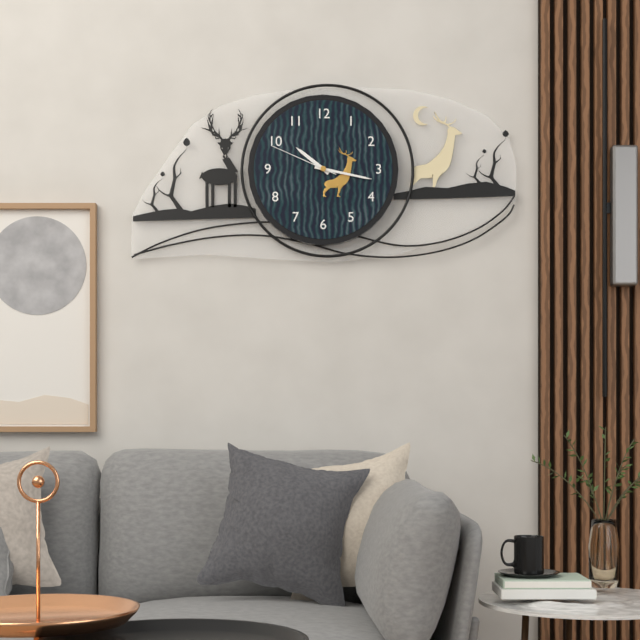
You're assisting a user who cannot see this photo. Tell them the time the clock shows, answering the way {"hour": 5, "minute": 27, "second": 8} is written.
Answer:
{"hour": 10, "minute": 17, "second": 49}
